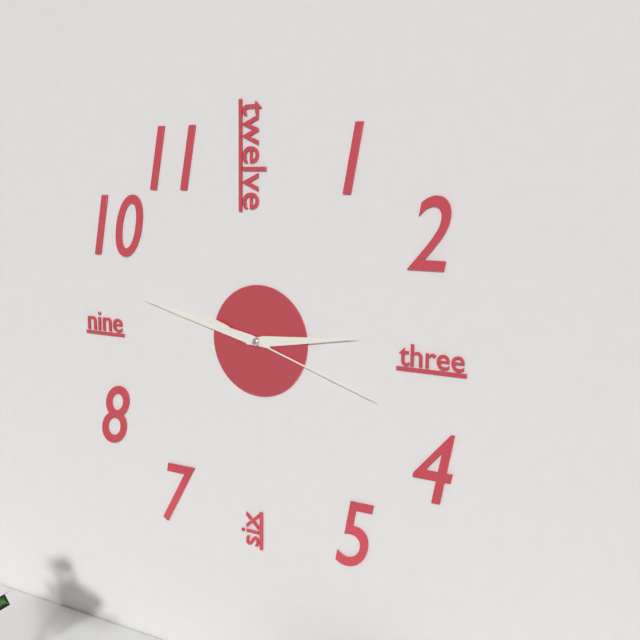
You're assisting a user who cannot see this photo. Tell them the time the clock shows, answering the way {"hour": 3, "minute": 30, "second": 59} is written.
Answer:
{"hour": 2, "minute": 47, "second": 18}
